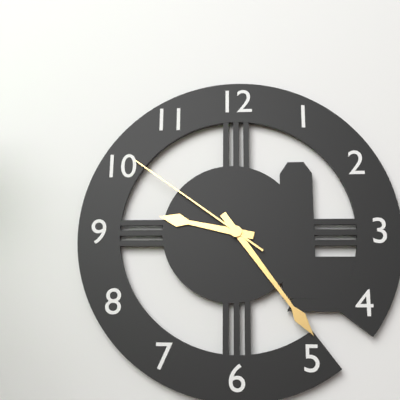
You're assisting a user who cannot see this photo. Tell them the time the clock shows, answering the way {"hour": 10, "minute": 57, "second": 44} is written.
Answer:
{"hour": 9, "minute": 24, "second": 51}
